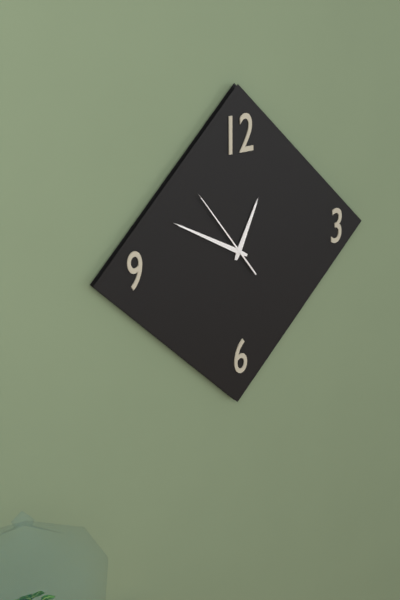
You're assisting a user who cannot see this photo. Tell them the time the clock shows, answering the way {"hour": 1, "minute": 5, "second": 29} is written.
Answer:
{"hour": 12, "minute": 50, "second": 54}
